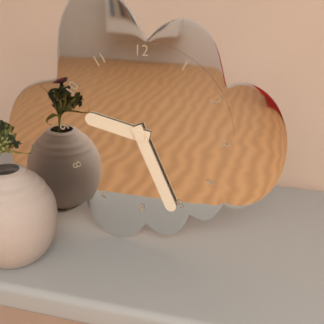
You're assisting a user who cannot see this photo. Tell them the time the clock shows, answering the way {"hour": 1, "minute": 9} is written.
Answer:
{"hour": 9, "minute": 26}
